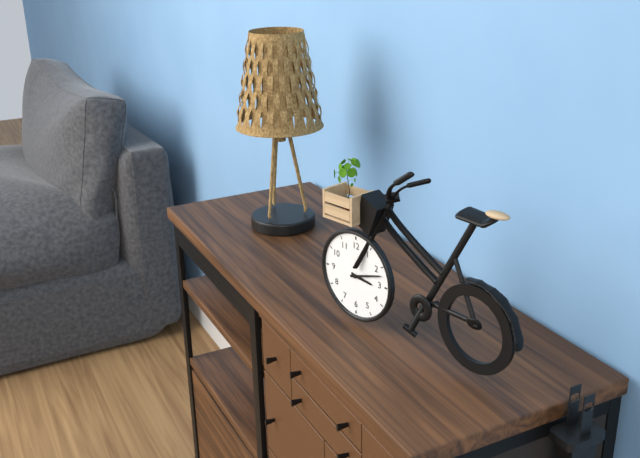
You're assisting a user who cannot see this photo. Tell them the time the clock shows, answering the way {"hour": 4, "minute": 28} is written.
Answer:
{"hour": 3, "minute": 12}
